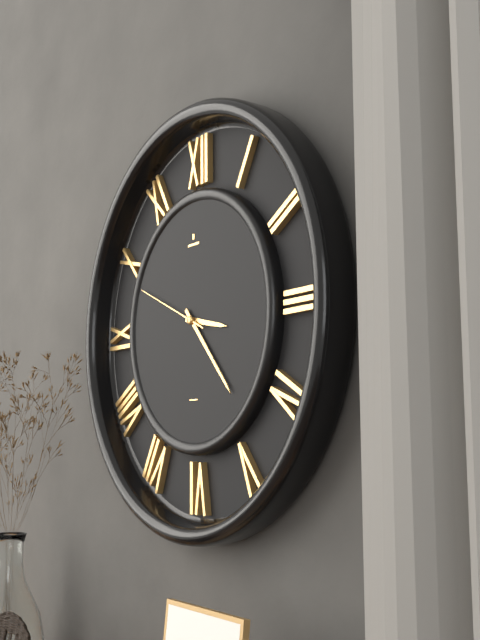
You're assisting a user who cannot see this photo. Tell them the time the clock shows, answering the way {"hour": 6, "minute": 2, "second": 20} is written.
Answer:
{"hour": 3, "minute": 23, "second": 49}
